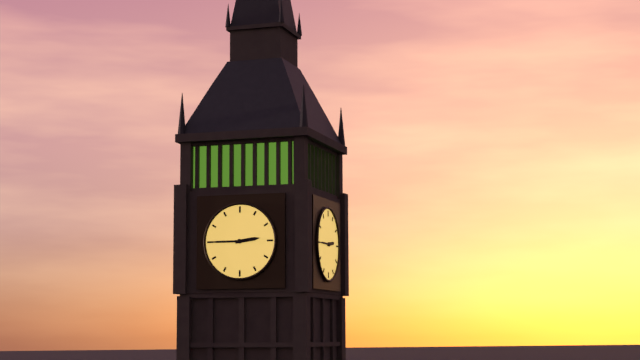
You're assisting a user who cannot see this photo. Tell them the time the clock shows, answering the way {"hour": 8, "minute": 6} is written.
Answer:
{"hour": 2, "minute": 45}
